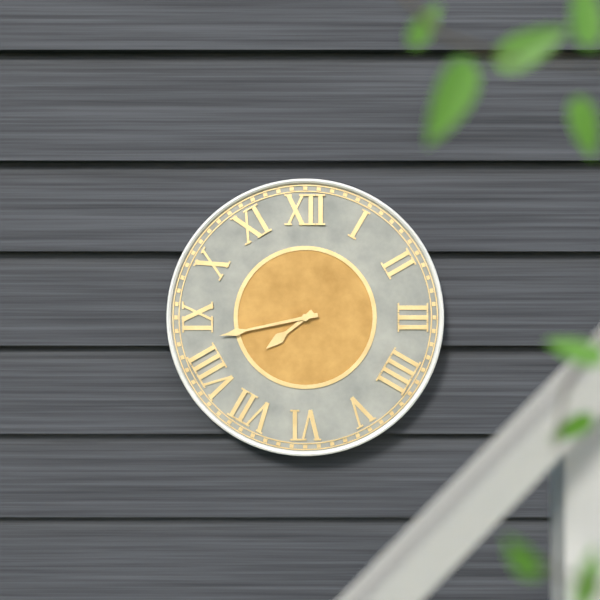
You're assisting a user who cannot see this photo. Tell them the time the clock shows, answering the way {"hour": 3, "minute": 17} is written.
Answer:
{"hour": 7, "minute": 43}
